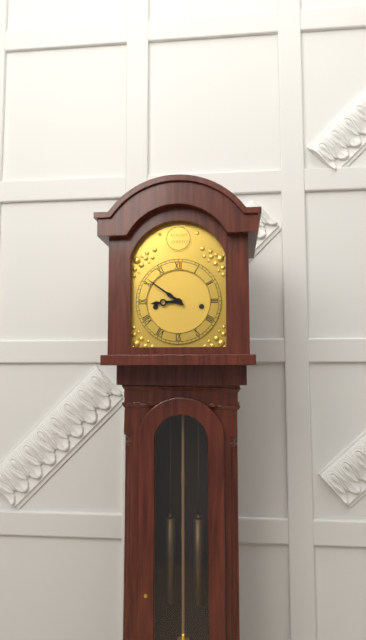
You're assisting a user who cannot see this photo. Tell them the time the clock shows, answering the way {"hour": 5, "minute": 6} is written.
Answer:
{"hour": 8, "minute": 51}
